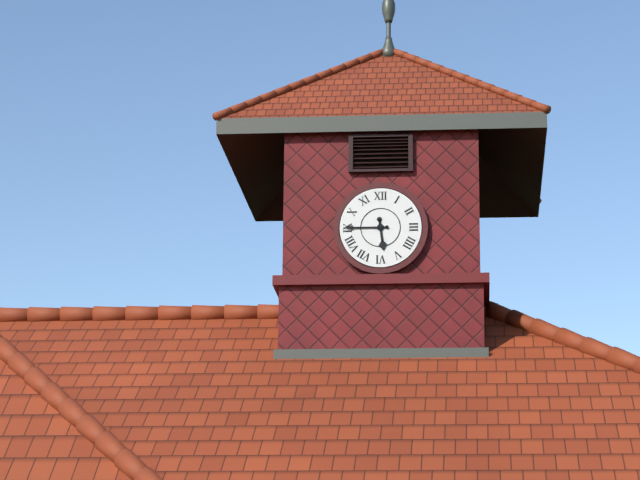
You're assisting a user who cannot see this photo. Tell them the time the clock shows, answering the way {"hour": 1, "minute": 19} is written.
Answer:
{"hour": 5, "minute": 45}
